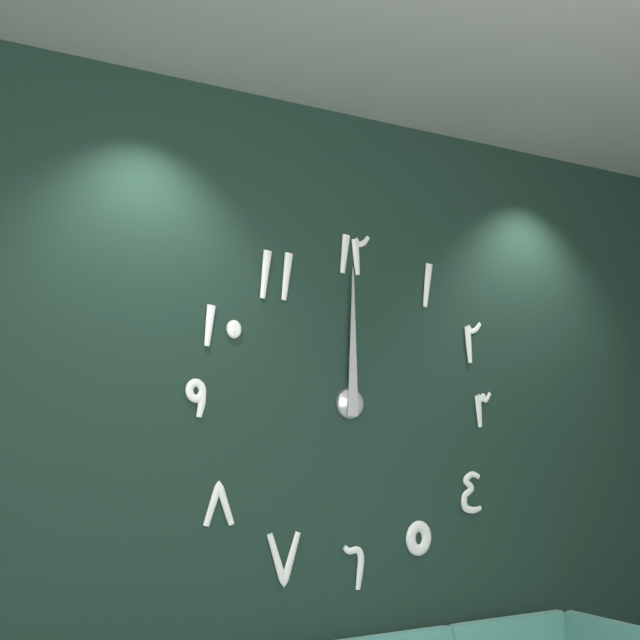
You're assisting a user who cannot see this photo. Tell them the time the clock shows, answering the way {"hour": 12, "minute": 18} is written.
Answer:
{"hour": 12, "minute": 0}
